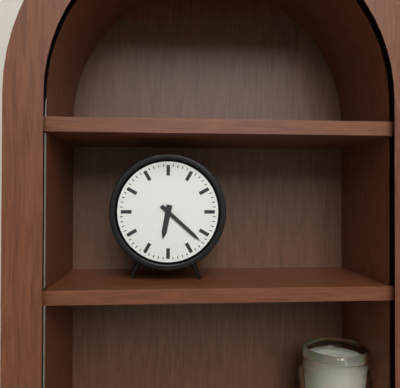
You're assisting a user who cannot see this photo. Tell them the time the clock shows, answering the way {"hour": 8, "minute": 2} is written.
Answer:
{"hour": 6, "minute": 22}
